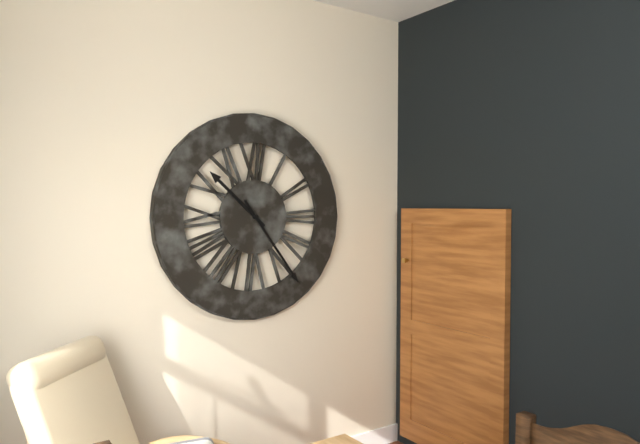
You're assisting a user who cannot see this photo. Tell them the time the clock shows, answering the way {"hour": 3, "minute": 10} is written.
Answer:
{"hour": 10, "minute": 24}
